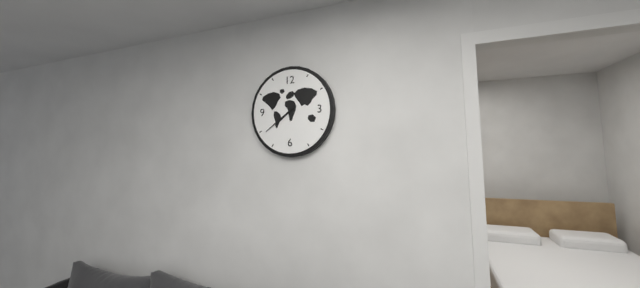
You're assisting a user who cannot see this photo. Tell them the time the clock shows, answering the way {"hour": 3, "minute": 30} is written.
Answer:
{"hour": 7, "minute": 39}
